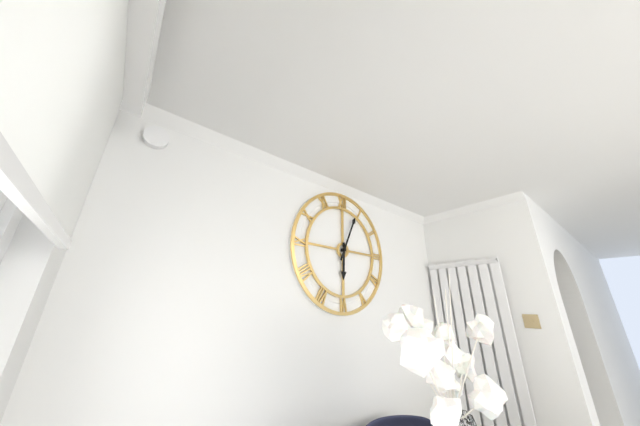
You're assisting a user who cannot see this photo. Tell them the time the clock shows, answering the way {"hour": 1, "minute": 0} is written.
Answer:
{"hour": 6, "minute": 4}
